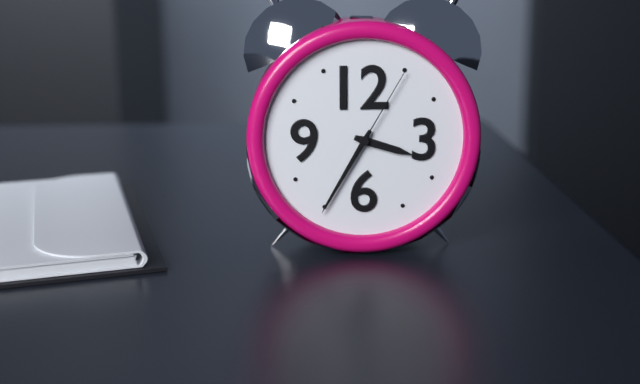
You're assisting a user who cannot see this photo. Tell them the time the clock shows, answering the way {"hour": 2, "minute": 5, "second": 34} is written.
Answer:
{"hour": 3, "minute": 35, "second": 5}
